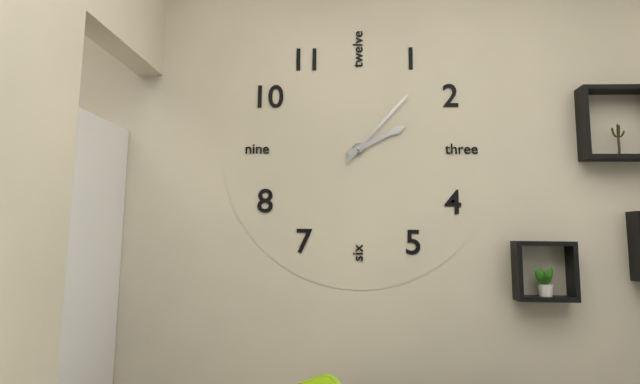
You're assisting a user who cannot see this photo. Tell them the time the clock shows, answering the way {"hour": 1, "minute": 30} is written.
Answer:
{"hour": 2, "minute": 7}
